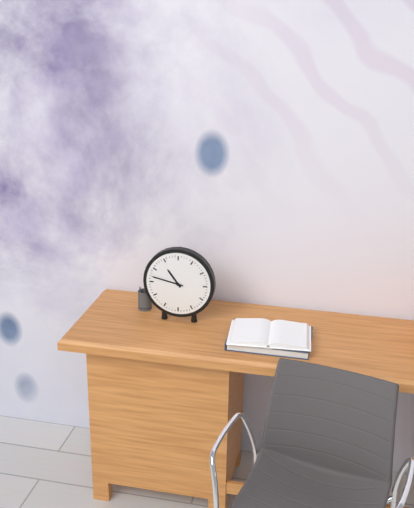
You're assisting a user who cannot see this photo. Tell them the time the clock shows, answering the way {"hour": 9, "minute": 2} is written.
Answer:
{"hour": 10, "minute": 47}
